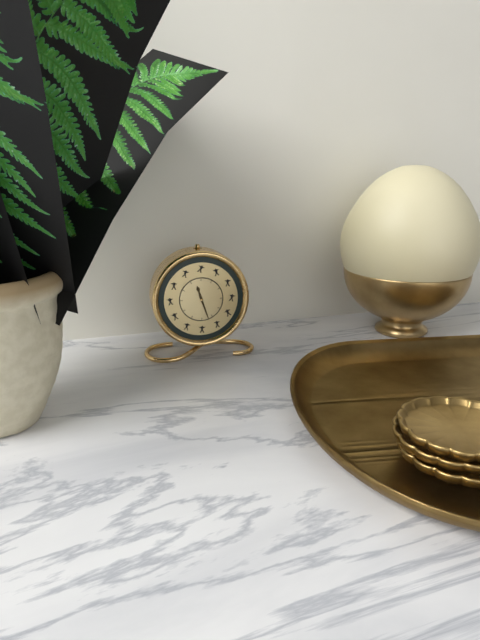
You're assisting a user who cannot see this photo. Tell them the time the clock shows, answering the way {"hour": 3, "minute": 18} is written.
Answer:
{"hour": 11, "minute": 27}
